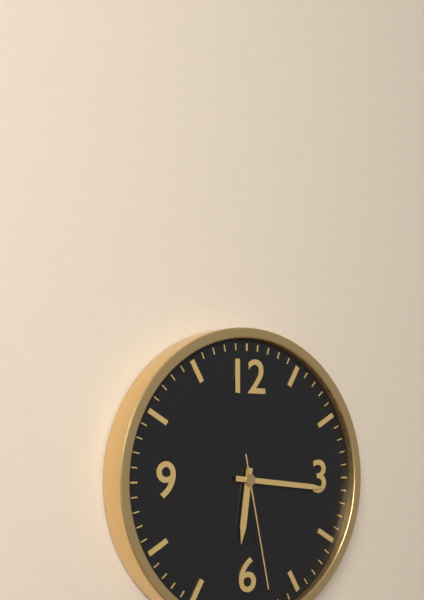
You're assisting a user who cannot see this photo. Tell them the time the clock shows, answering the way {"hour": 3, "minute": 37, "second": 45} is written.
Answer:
{"hour": 6, "minute": 16, "second": 28}
